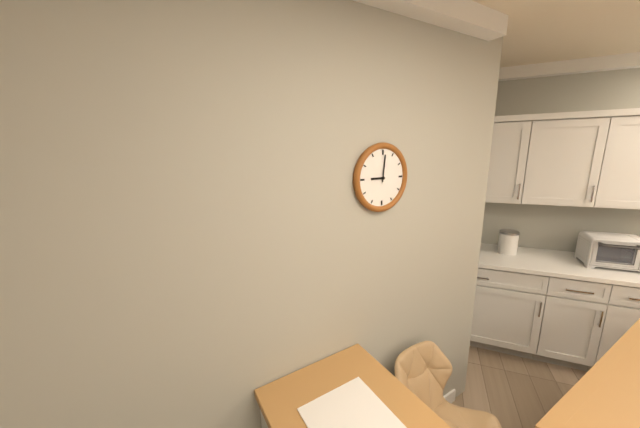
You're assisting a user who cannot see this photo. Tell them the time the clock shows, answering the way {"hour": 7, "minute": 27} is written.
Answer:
{"hour": 9, "minute": 1}
